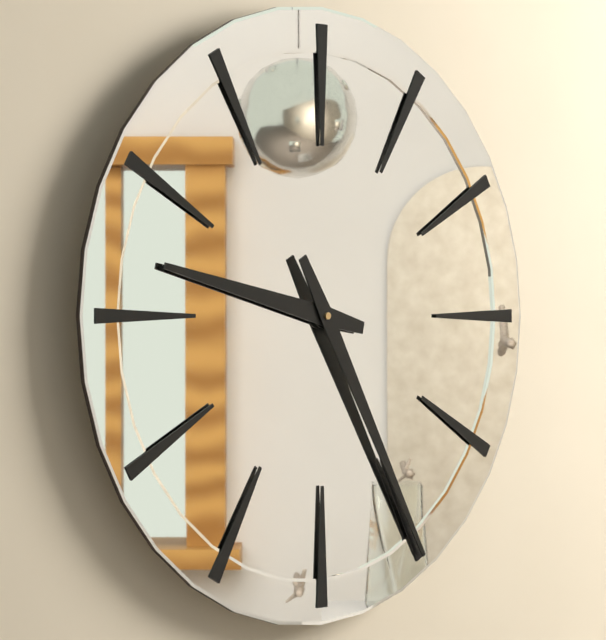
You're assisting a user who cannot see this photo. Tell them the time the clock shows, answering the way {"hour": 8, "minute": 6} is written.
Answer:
{"hour": 9, "minute": 25}
